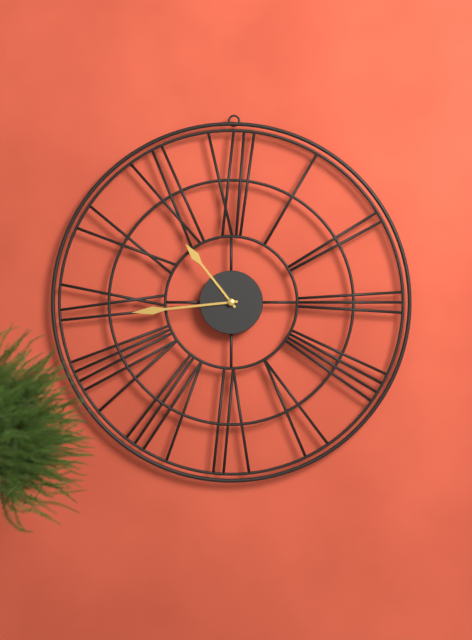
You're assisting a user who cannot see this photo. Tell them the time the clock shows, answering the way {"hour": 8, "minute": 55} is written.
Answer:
{"hour": 10, "minute": 44}
